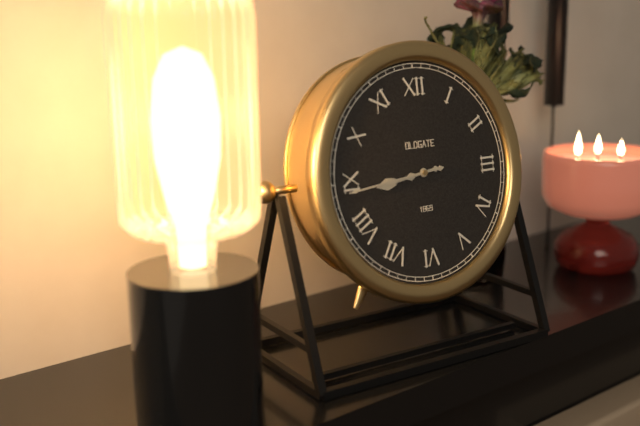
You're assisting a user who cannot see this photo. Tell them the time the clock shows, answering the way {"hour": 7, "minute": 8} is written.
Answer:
{"hour": 8, "minute": 44}
